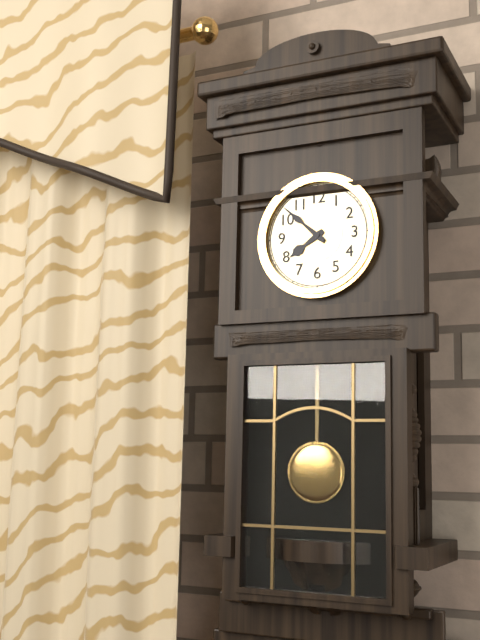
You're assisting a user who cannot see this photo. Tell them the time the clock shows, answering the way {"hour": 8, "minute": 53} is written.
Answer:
{"hour": 7, "minute": 52}
